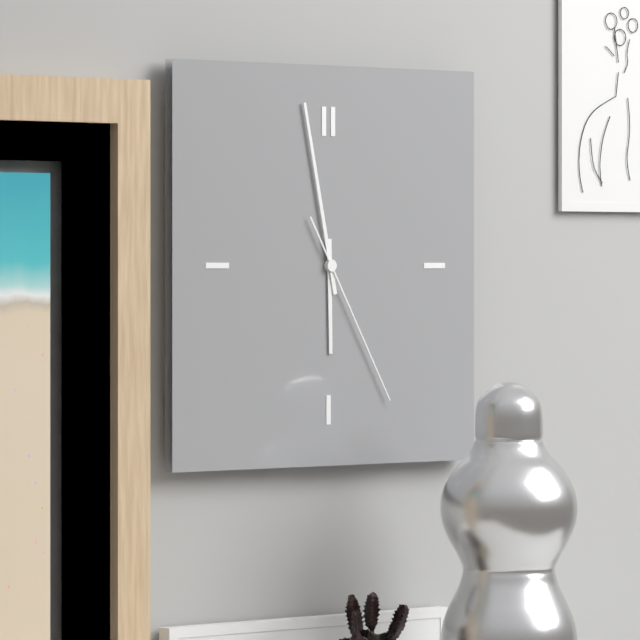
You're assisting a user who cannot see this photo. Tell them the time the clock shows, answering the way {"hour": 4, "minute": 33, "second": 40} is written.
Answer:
{"hour": 5, "minute": 58, "second": 25}
